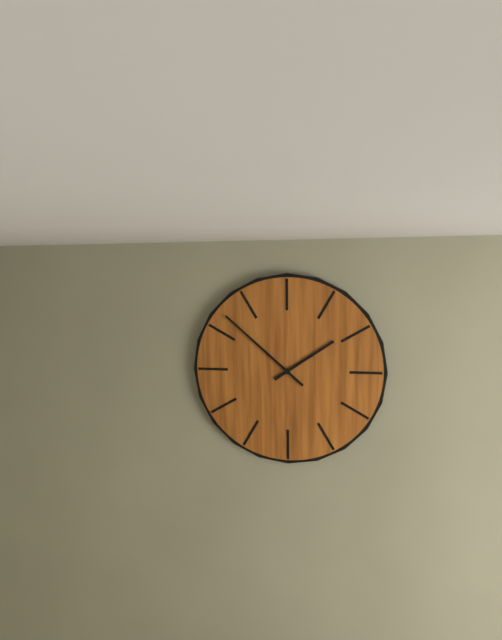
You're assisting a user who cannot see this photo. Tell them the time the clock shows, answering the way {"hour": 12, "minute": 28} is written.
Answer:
{"hour": 1, "minute": 52}
